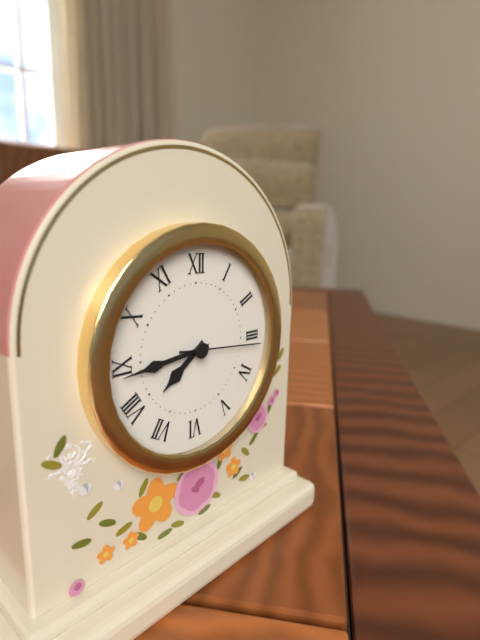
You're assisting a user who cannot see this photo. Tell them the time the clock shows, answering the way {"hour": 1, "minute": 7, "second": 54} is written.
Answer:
{"hour": 7, "minute": 44, "second": 16}
